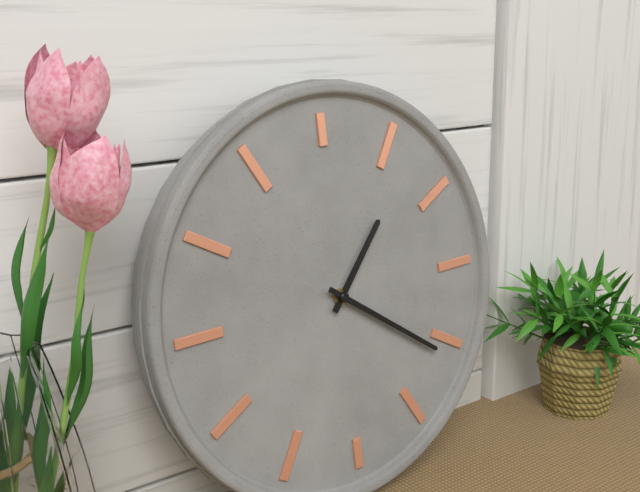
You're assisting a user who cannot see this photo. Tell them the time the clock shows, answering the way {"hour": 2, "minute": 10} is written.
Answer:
{"hour": 1, "minute": 21}
